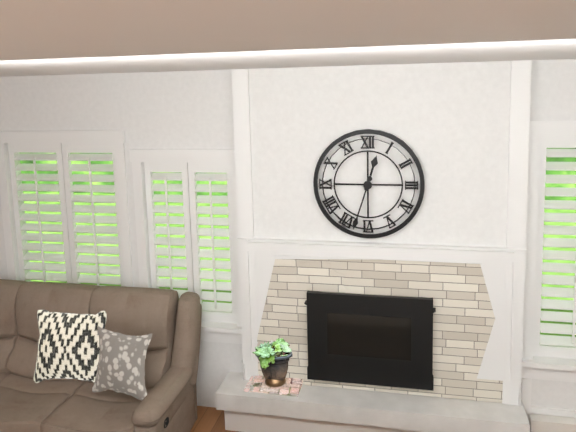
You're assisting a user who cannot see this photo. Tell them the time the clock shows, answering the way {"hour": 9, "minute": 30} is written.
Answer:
{"hour": 12, "minute": 33}
